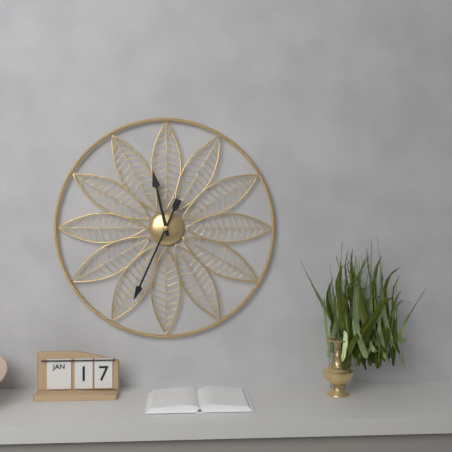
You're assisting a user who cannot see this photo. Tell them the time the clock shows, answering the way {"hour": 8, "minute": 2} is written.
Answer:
{"hour": 11, "minute": 34}
